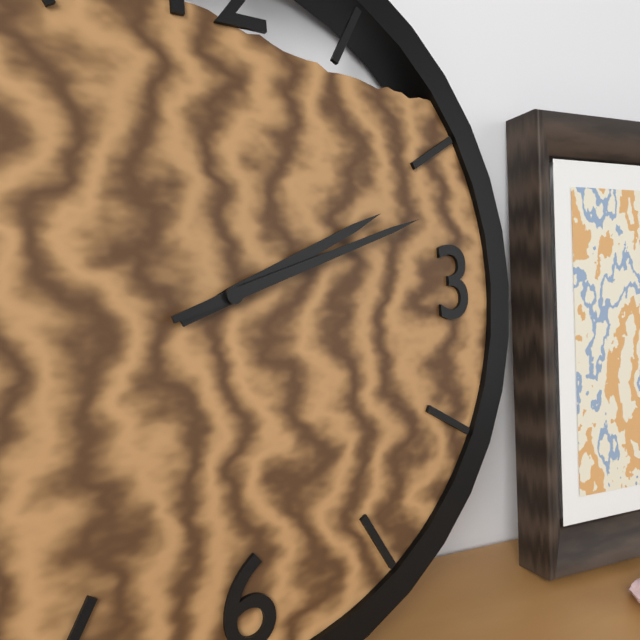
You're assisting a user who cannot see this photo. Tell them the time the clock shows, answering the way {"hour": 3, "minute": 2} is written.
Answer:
{"hour": 2, "minute": 12}
